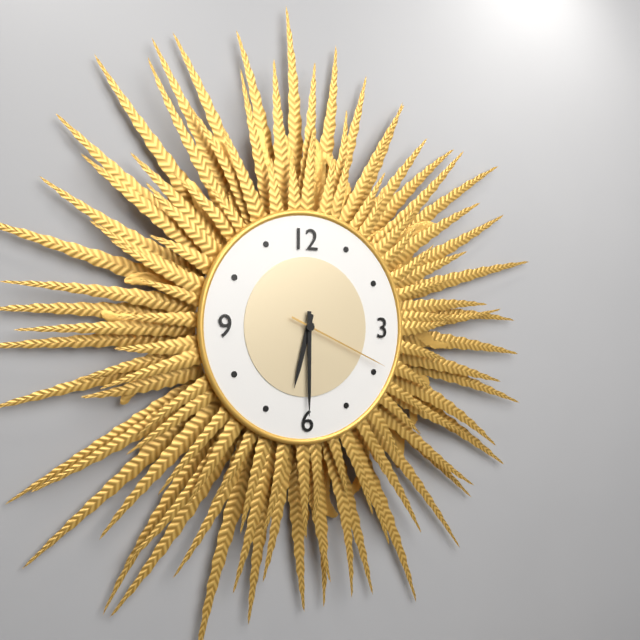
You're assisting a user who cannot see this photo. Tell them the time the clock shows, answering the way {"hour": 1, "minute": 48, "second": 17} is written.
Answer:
{"hour": 6, "minute": 30, "second": 19}
